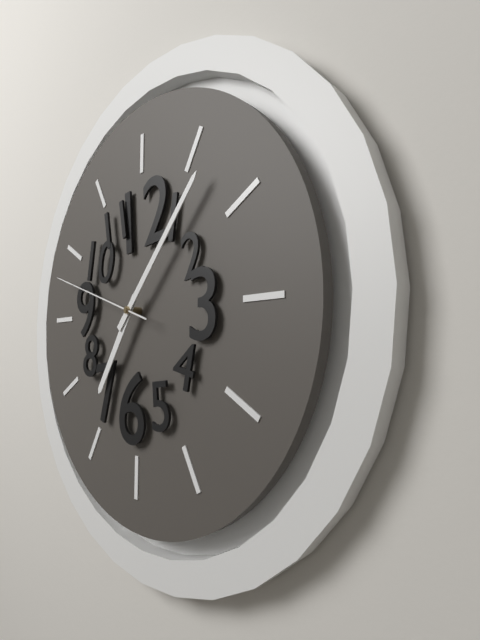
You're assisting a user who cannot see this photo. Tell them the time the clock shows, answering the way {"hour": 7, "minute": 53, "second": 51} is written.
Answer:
{"hour": 7, "minute": 7, "second": 48}
